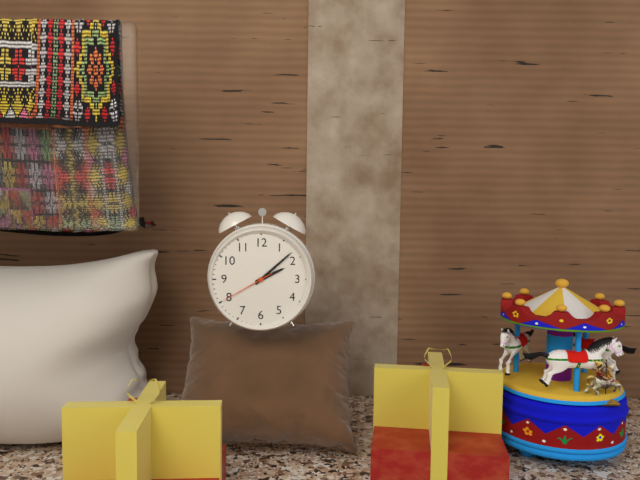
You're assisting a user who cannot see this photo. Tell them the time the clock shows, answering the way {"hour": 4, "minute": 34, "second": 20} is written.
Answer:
{"hour": 2, "minute": 8, "second": 40}
